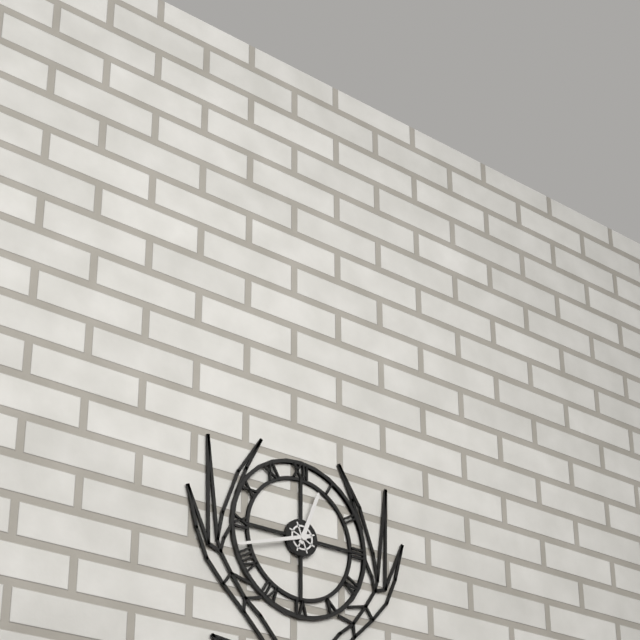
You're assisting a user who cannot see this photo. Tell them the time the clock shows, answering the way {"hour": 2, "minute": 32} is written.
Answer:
{"hour": 12, "minute": 42}
